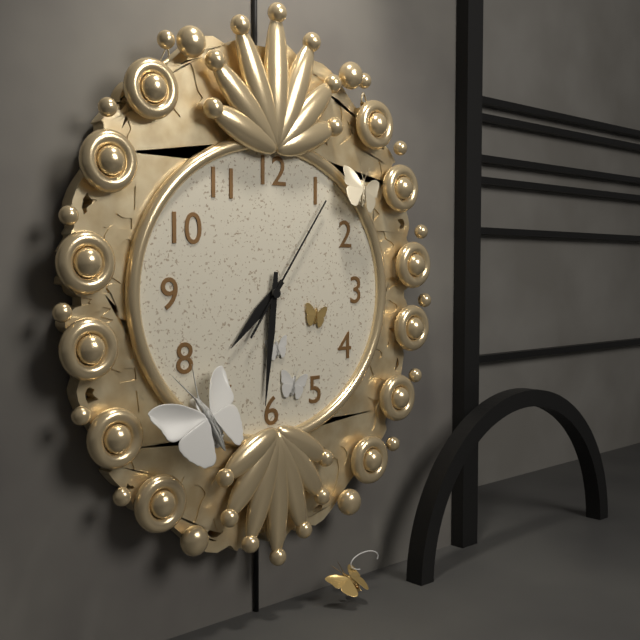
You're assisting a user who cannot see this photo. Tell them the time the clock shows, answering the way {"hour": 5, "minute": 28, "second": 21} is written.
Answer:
{"hour": 7, "minute": 31, "second": 6}
